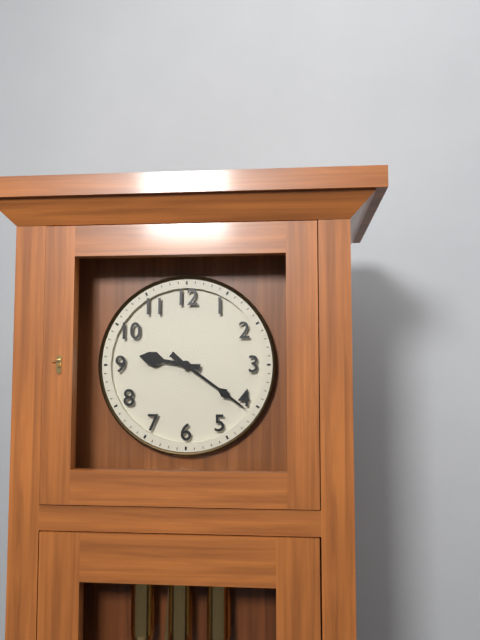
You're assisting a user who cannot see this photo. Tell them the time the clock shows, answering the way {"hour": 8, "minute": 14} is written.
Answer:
{"hour": 9, "minute": 21}
